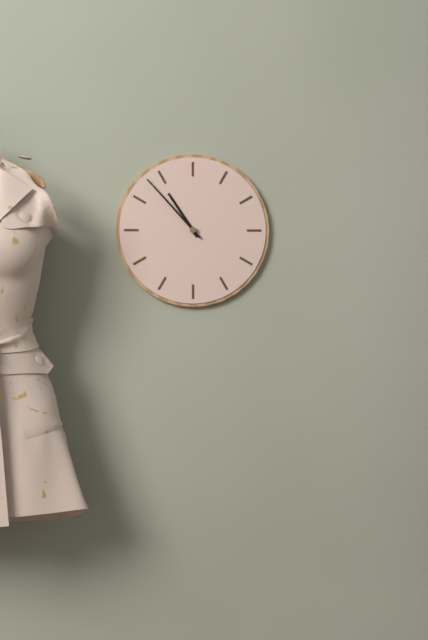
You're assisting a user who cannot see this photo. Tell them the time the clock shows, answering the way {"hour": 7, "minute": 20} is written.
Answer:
{"hour": 10, "minute": 53}
